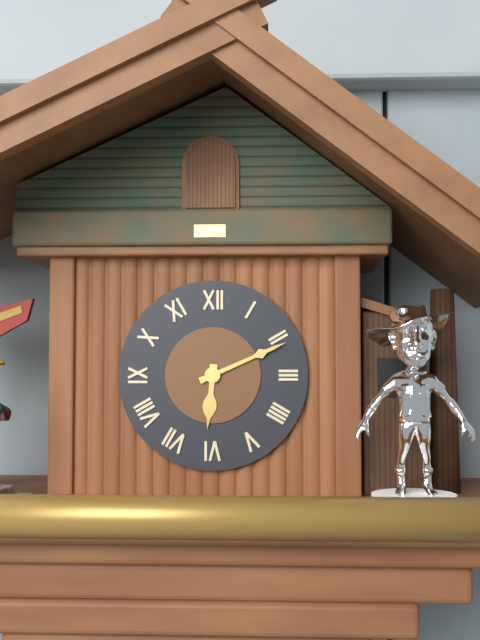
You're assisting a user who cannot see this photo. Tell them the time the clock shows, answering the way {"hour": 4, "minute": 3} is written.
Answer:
{"hour": 6, "minute": 11}
